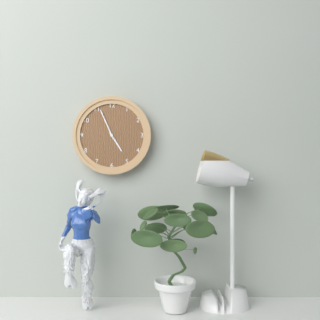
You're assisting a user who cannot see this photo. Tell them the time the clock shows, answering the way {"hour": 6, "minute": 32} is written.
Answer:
{"hour": 4, "minute": 56}
